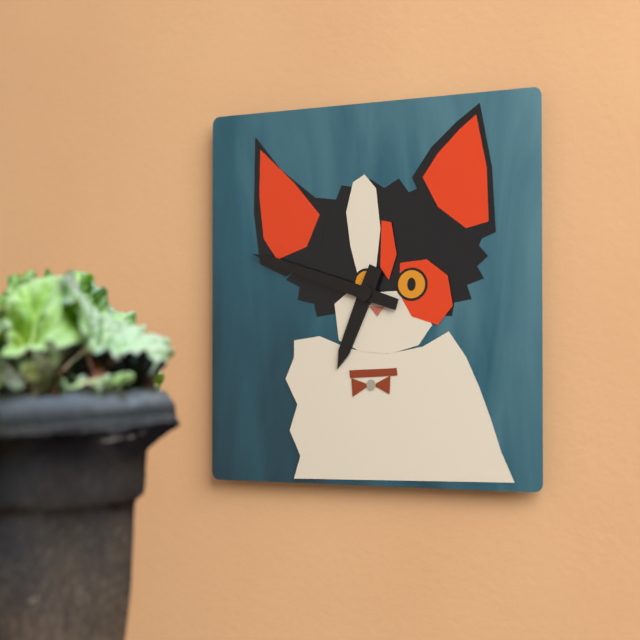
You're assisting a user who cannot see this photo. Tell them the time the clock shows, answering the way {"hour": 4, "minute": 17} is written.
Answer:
{"hour": 6, "minute": 48}
